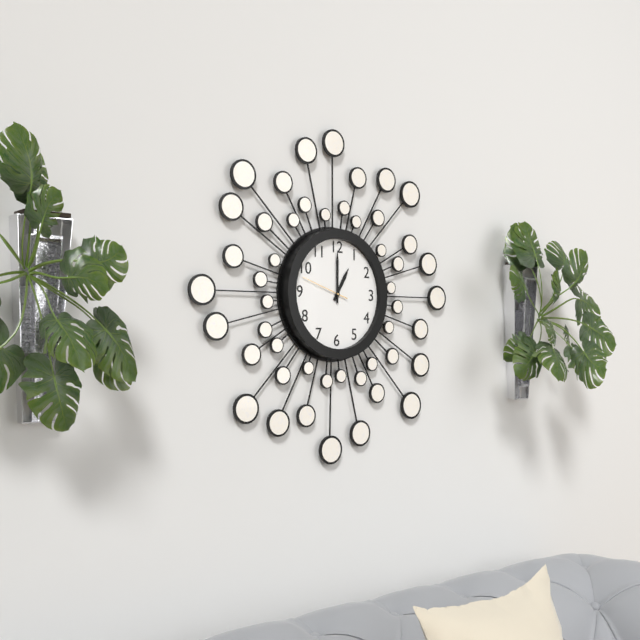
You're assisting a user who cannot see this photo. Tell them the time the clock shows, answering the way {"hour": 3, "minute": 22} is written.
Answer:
{"hour": 1, "minute": 0}
